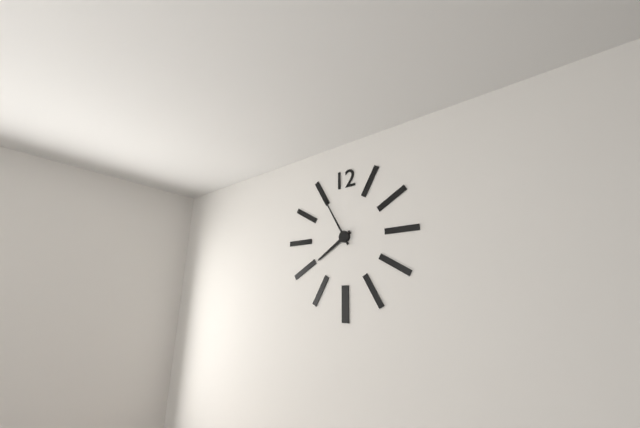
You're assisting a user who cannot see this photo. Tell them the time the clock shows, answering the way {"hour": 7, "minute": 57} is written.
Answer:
{"hour": 7, "minute": 55}
